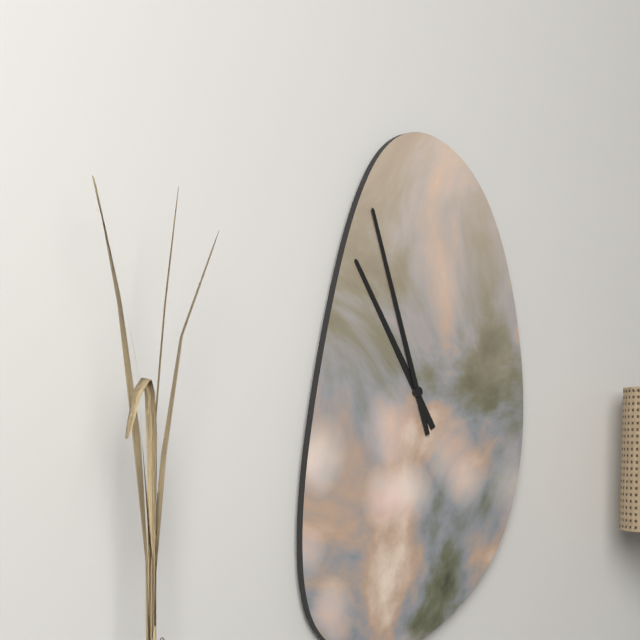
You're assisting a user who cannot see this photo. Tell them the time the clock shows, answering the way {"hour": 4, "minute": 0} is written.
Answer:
{"hour": 10, "minute": 57}
